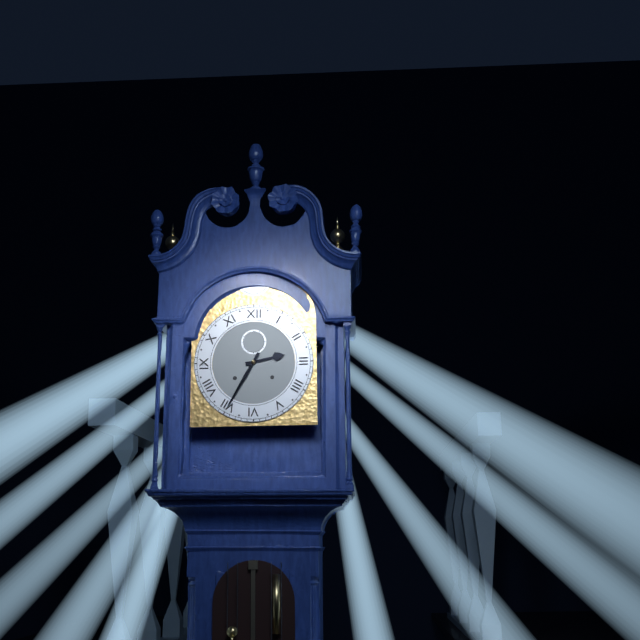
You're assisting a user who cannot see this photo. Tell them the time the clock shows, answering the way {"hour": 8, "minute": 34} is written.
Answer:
{"hour": 2, "minute": 35}
